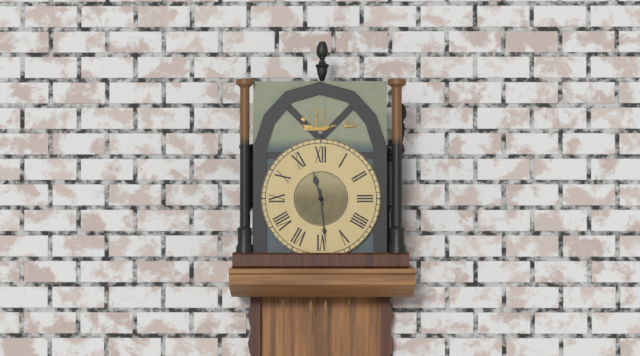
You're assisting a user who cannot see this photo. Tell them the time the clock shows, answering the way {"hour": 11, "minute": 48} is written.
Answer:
{"hour": 11, "minute": 29}
